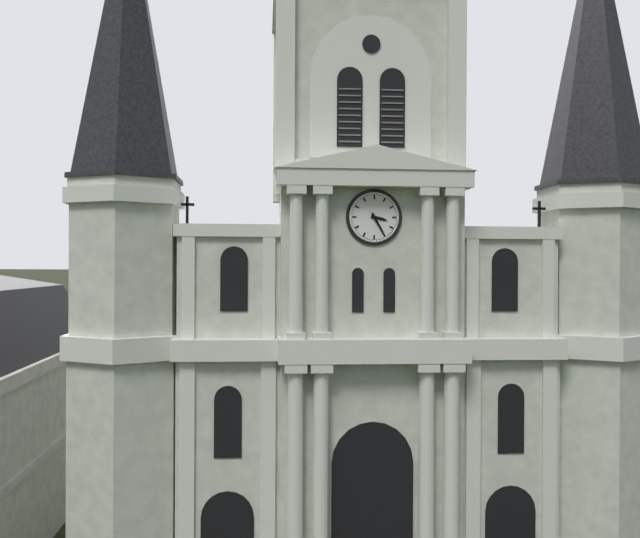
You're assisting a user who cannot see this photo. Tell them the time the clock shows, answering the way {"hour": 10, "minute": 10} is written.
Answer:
{"hour": 3, "minute": 25}
